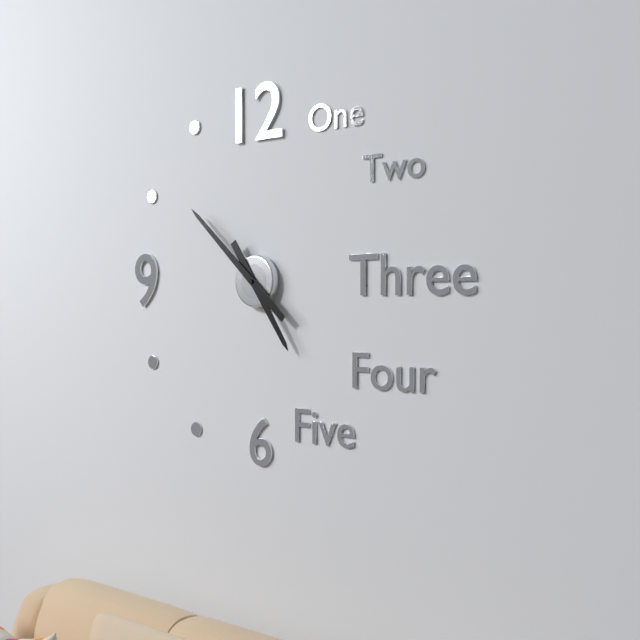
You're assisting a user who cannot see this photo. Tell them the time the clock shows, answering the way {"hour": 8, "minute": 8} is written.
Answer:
{"hour": 4, "minute": 52}
